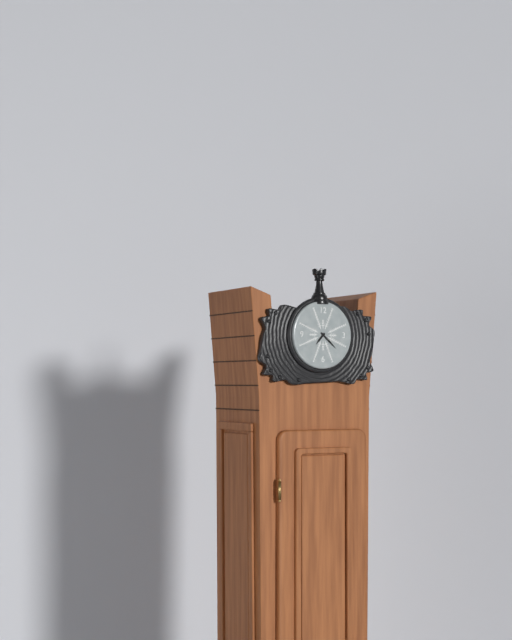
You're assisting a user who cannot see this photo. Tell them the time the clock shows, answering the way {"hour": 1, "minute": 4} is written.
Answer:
{"hour": 7, "minute": 22}
